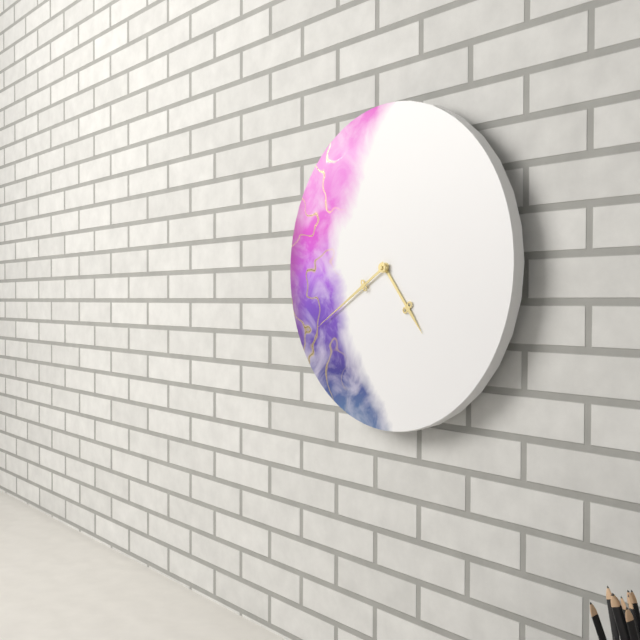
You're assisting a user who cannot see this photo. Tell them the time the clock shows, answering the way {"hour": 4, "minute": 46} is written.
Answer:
{"hour": 4, "minute": 40}
